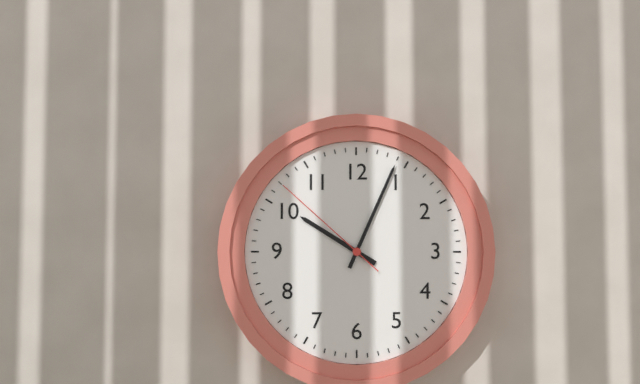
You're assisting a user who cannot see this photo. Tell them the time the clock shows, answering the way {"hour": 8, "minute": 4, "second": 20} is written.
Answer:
{"hour": 10, "minute": 4, "second": 52}
